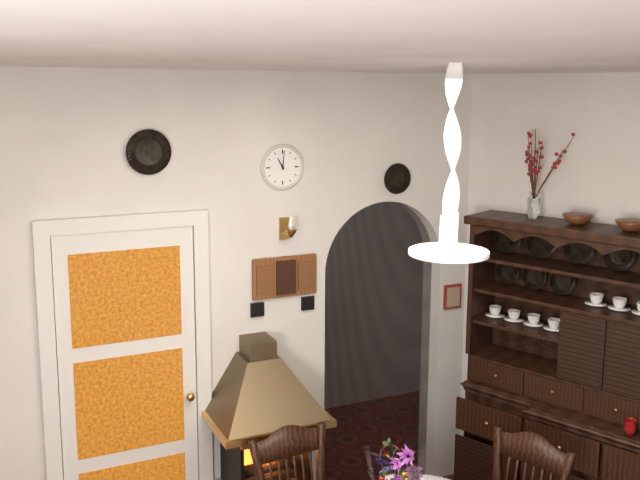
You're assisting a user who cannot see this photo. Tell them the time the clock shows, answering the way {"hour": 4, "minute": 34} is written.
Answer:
{"hour": 11, "minute": 1}
